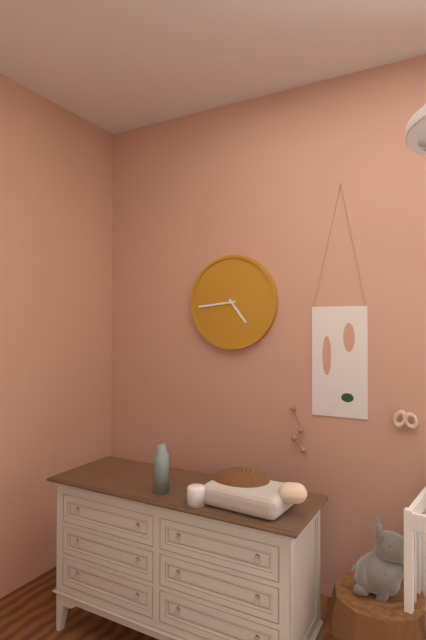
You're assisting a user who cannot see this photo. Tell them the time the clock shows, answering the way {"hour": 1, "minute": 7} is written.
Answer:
{"hour": 4, "minute": 44}
